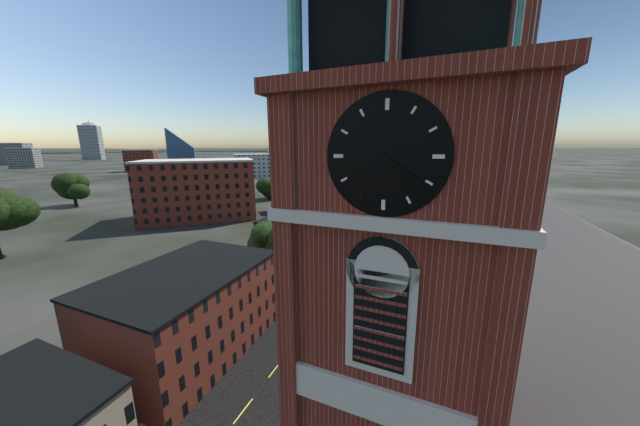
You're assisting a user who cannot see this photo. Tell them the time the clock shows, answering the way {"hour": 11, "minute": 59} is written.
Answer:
{"hour": 4, "minute": 21}
